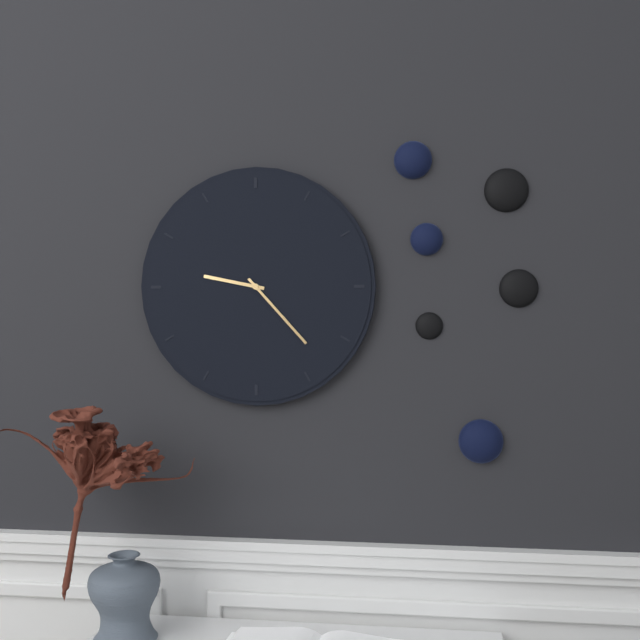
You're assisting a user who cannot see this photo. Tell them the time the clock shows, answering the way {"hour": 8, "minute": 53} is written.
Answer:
{"hour": 9, "minute": 23}
